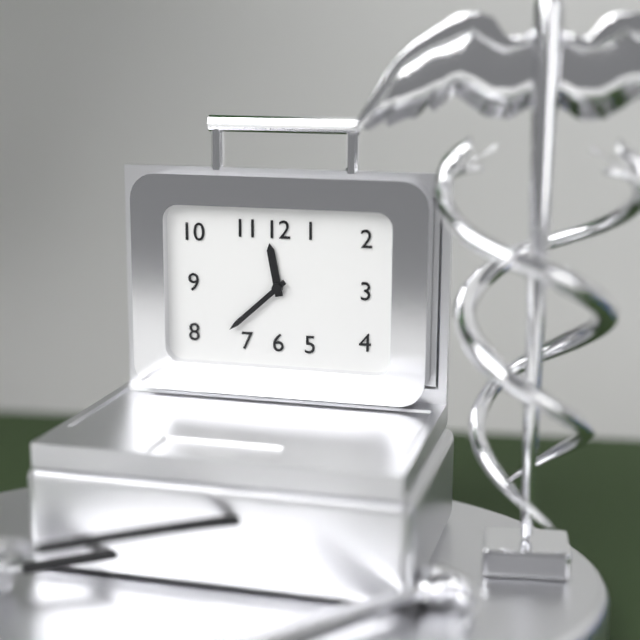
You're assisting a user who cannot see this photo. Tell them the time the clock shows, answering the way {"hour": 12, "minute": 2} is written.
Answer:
{"hour": 11, "minute": 38}
